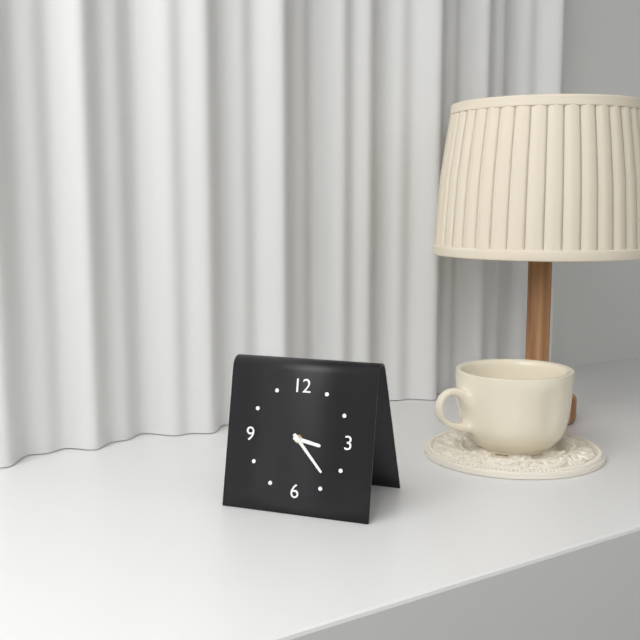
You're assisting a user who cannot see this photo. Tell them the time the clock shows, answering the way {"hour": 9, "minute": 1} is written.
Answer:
{"hour": 3, "minute": 23}
